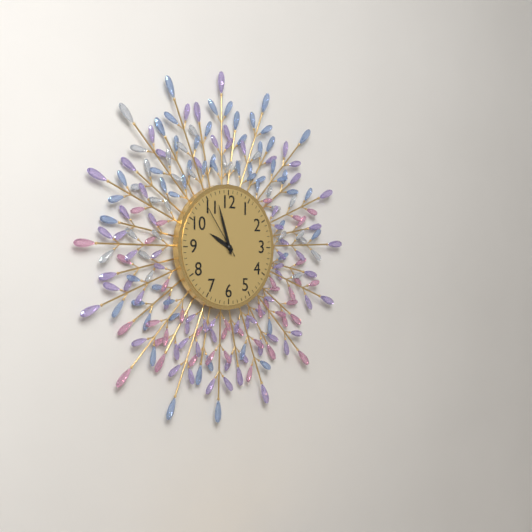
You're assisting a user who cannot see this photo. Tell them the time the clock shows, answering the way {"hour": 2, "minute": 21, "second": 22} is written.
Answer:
{"hour": 9, "minute": 57, "second": 54}
